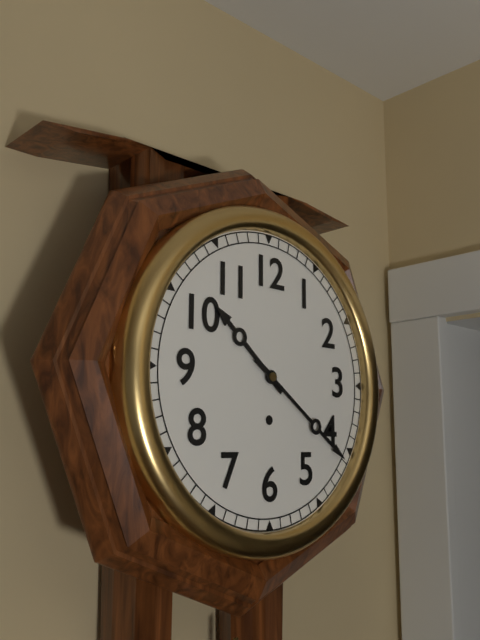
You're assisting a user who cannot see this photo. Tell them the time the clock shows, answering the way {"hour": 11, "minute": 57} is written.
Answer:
{"hour": 10, "minute": 21}
